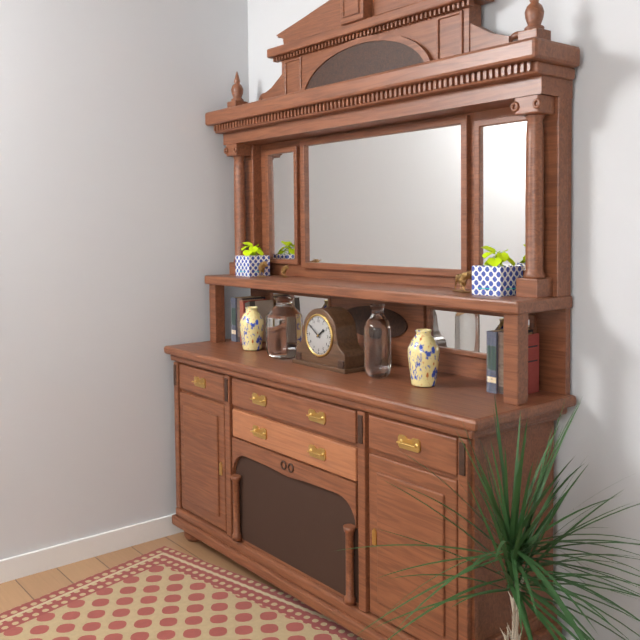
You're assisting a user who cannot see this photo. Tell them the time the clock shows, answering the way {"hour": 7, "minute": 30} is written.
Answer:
{"hour": 1, "minute": 51}
